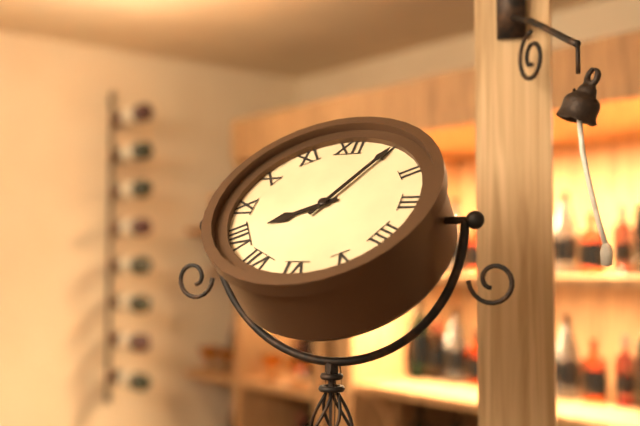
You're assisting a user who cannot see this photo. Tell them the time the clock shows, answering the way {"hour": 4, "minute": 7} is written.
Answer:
{"hour": 8, "minute": 5}
